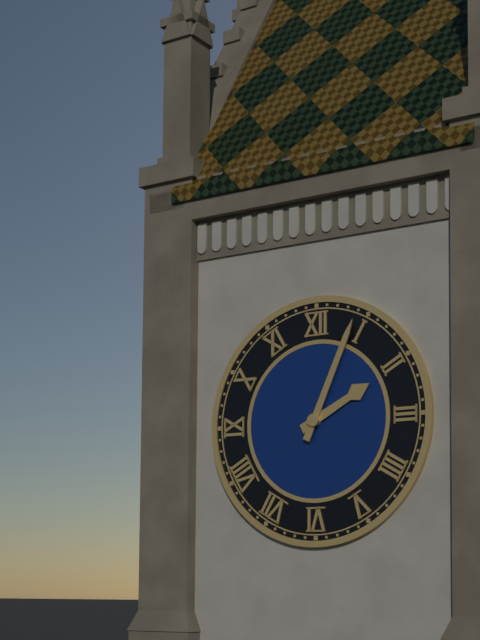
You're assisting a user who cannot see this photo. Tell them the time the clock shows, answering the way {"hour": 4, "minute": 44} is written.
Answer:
{"hour": 2, "minute": 4}
